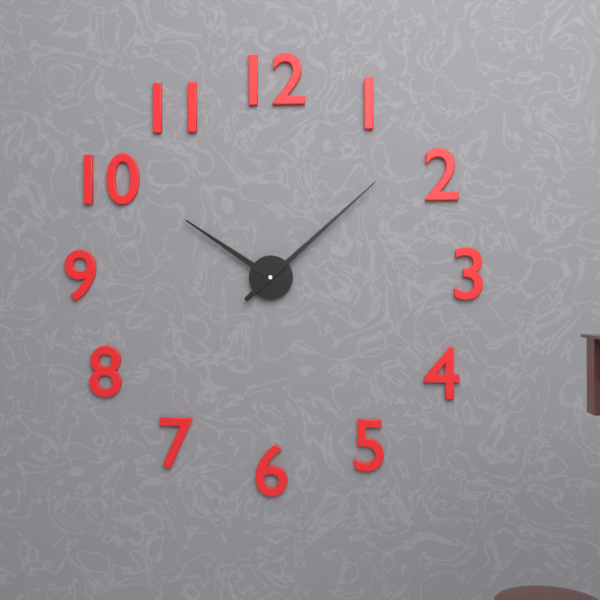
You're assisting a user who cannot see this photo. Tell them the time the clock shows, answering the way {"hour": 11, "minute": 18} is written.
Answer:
{"hour": 10, "minute": 8}
